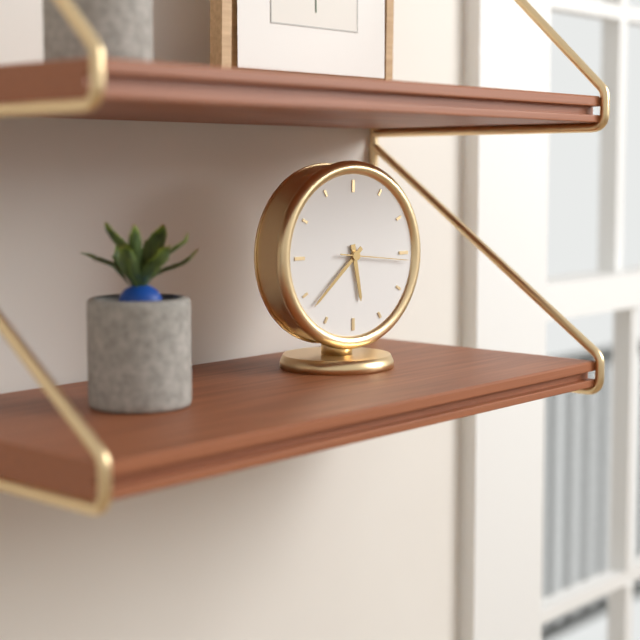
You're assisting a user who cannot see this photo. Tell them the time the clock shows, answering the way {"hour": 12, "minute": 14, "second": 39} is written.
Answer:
{"hour": 5, "minute": 38, "second": 16}
